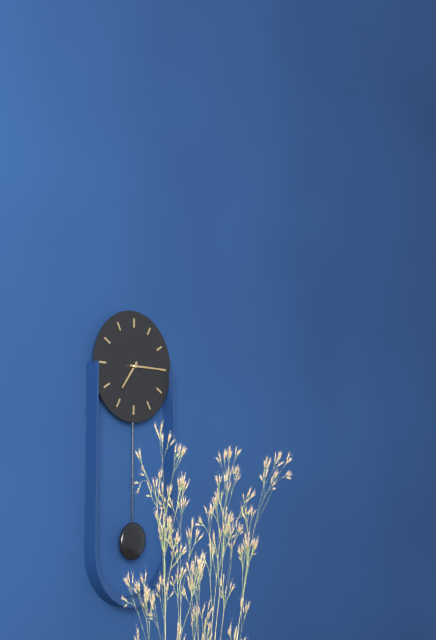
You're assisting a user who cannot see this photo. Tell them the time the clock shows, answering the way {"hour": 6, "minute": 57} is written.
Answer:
{"hour": 7, "minute": 15}
